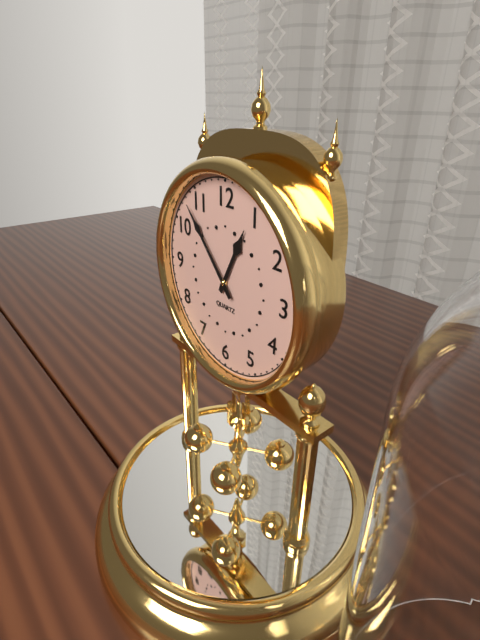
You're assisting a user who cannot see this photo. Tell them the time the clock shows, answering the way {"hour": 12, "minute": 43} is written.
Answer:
{"hour": 12, "minute": 53}
